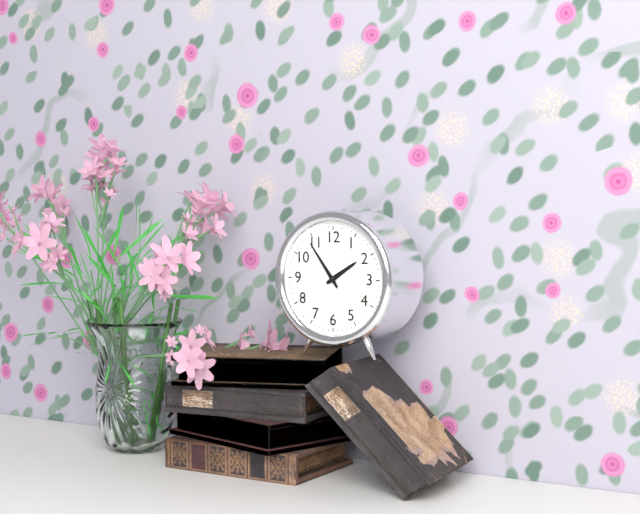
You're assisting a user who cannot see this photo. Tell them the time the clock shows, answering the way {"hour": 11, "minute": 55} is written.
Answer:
{"hour": 1, "minute": 54}
